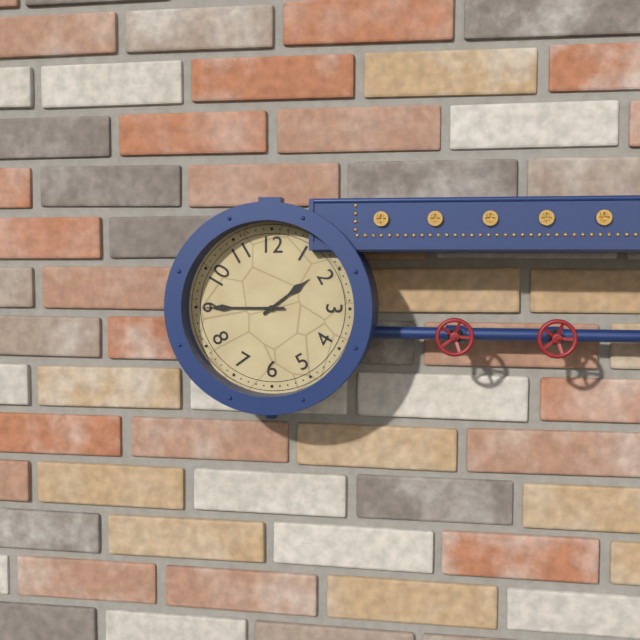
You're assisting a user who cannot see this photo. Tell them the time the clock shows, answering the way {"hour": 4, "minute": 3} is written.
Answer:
{"hour": 1, "minute": 45}
